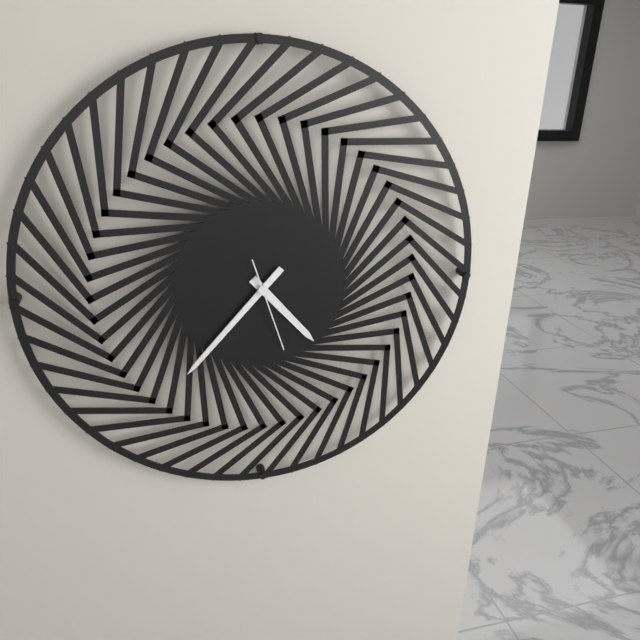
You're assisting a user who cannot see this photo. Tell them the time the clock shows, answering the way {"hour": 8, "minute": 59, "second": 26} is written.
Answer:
{"hour": 4, "minute": 37, "second": 27}
